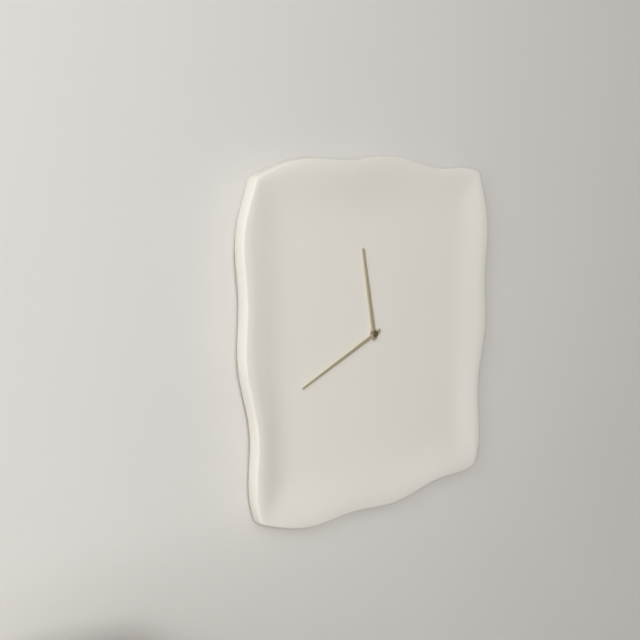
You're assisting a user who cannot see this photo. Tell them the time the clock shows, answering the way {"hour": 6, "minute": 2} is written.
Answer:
{"hour": 11, "minute": 41}
